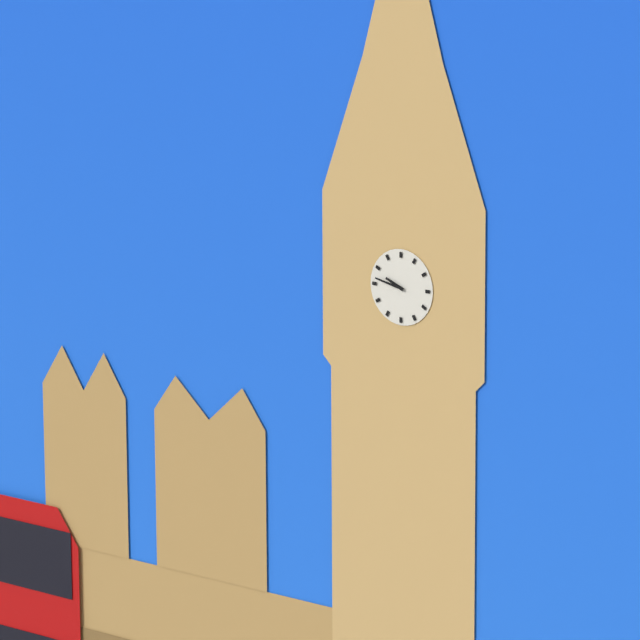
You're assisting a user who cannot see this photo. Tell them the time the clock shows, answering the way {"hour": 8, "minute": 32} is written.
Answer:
{"hour": 9, "minute": 47}
